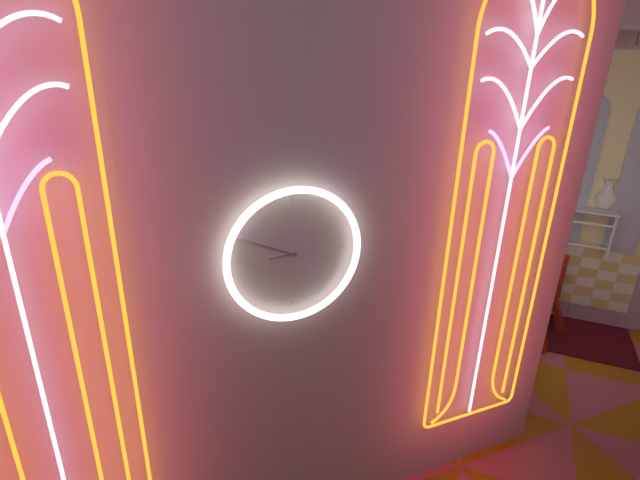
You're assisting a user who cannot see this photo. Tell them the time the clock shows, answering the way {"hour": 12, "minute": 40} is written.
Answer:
{"hour": 8, "minute": 49}
